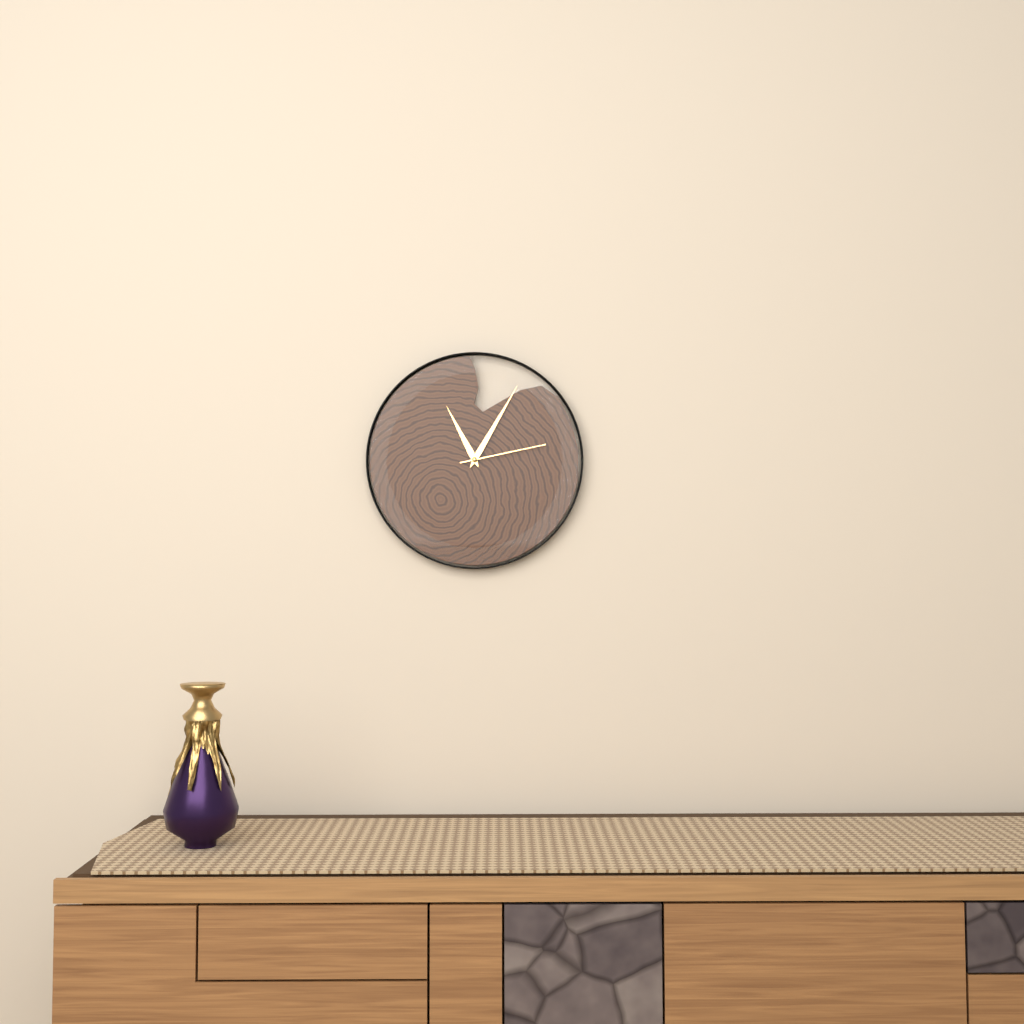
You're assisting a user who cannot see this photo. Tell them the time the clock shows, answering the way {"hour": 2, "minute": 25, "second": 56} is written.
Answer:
{"hour": 11, "minute": 5, "second": 13}
